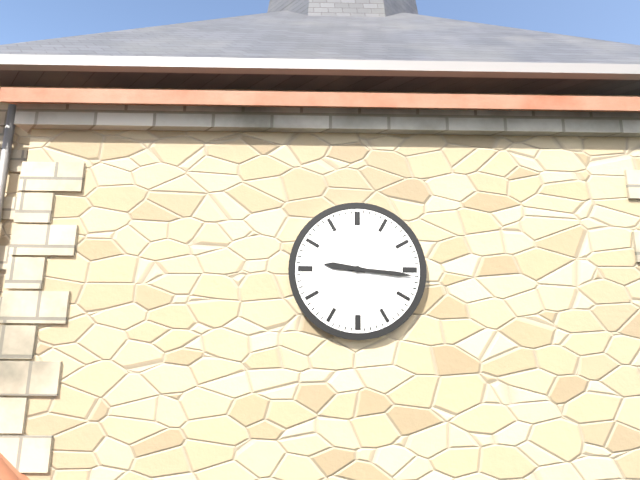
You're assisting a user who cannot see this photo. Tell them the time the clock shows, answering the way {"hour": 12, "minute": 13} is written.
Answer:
{"hour": 9, "minute": 16}
